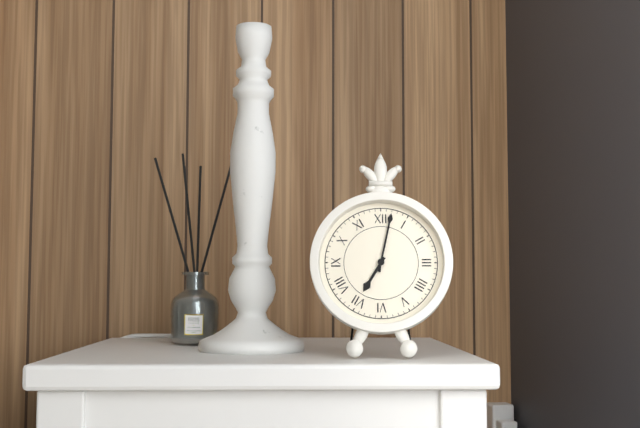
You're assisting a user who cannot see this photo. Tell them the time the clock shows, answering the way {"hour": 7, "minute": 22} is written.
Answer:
{"hour": 7, "minute": 2}
